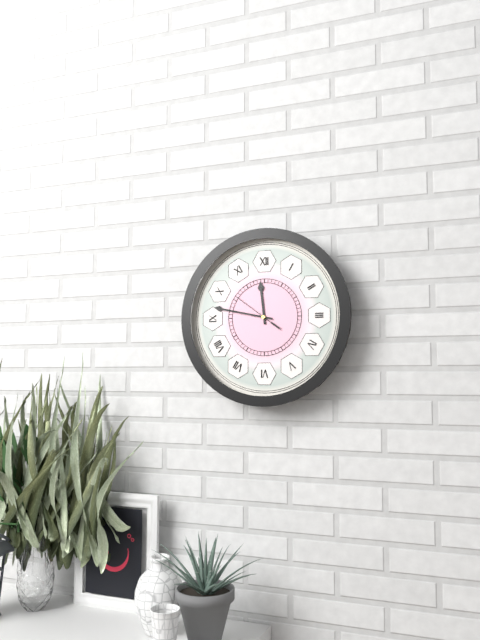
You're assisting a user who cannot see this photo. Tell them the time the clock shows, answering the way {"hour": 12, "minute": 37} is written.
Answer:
{"hour": 11, "minute": 47}
